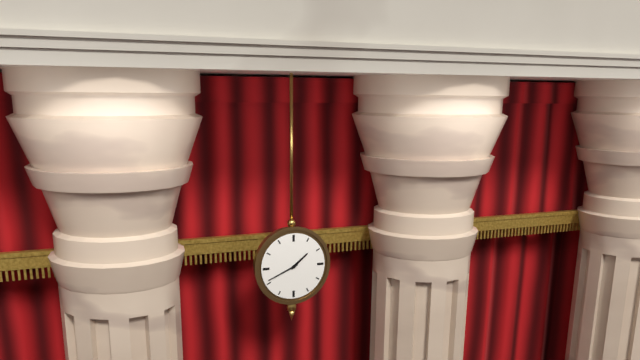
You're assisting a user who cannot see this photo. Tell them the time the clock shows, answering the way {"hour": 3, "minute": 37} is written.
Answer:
{"hour": 1, "minute": 41}
